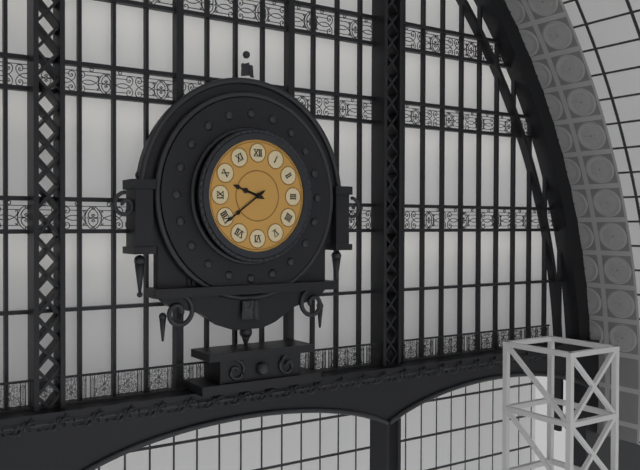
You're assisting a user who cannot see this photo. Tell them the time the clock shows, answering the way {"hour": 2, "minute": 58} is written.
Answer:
{"hour": 9, "minute": 39}
